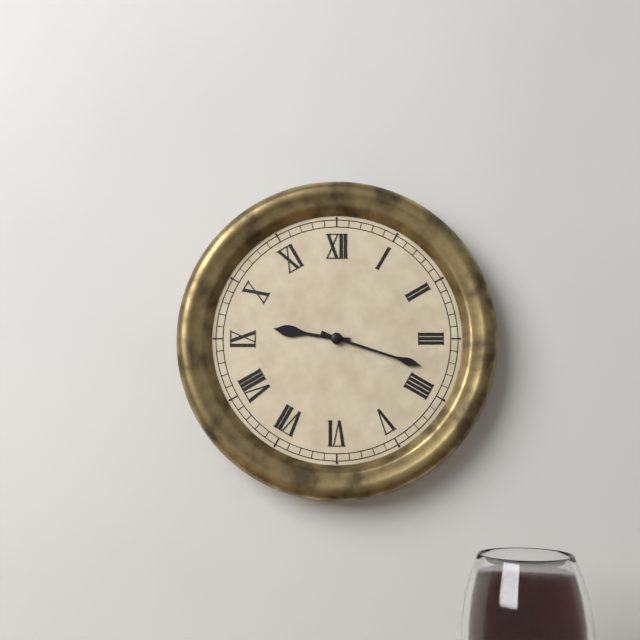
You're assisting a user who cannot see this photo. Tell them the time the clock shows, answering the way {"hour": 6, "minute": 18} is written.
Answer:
{"hour": 9, "minute": 18}
